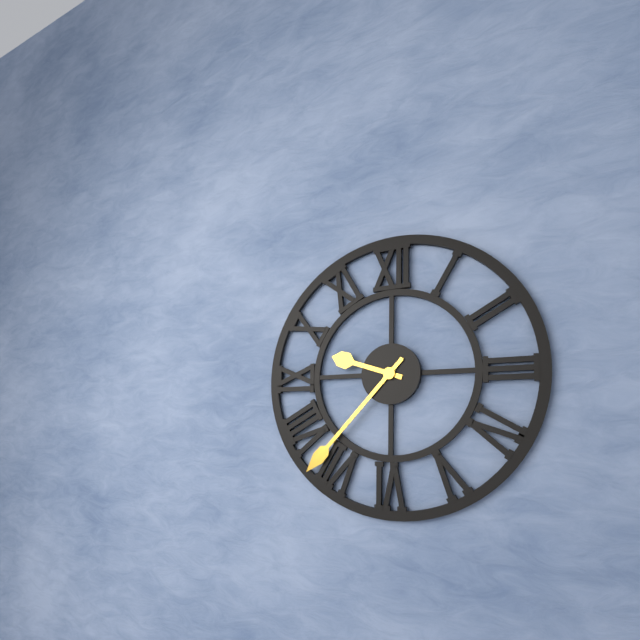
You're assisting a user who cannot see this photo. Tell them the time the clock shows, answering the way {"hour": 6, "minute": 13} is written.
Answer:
{"hour": 9, "minute": 37}
